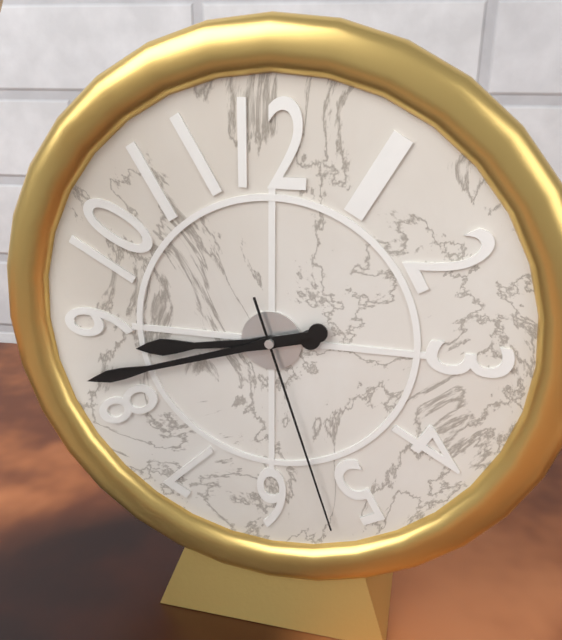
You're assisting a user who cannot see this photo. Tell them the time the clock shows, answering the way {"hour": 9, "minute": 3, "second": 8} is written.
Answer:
{"hour": 8, "minute": 42, "second": 27}
